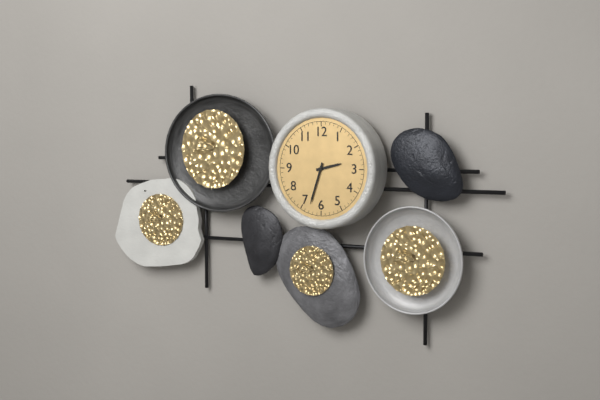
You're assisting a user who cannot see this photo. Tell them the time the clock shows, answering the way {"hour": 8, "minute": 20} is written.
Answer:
{"hour": 2, "minute": 33}
